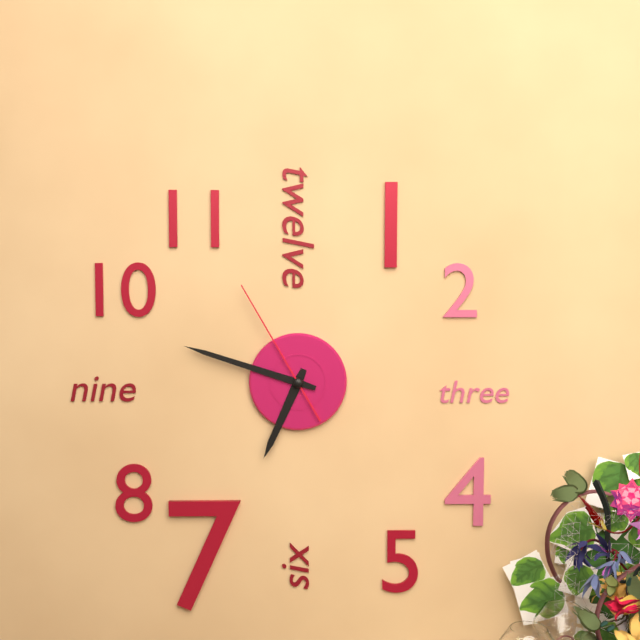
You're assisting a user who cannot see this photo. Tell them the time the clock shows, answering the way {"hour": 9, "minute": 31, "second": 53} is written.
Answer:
{"hour": 6, "minute": 48, "second": 55}
